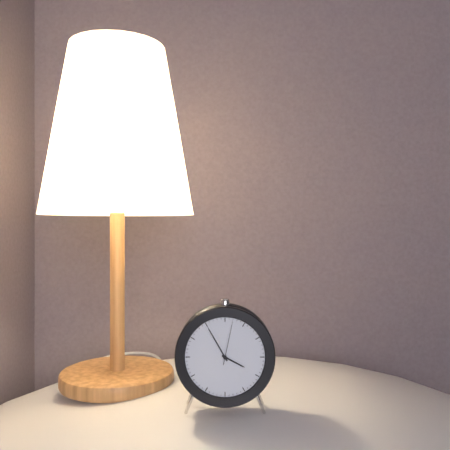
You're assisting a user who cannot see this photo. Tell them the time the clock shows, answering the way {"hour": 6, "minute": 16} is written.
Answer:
{"hour": 3, "minute": 55}
